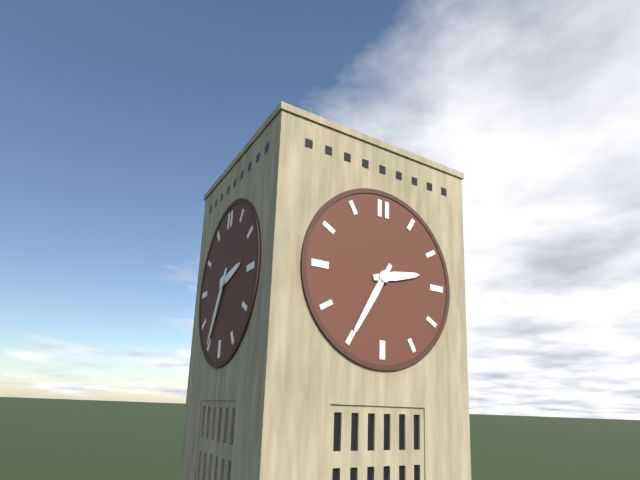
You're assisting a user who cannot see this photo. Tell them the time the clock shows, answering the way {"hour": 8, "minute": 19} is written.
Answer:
{"hour": 2, "minute": 35}
